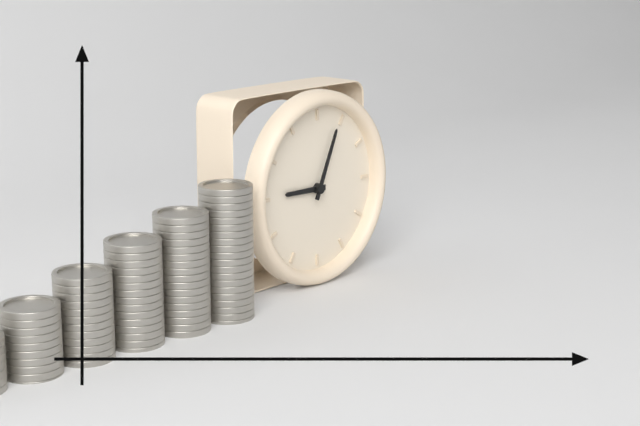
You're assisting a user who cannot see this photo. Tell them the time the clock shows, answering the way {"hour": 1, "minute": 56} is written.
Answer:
{"hour": 9, "minute": 4}
